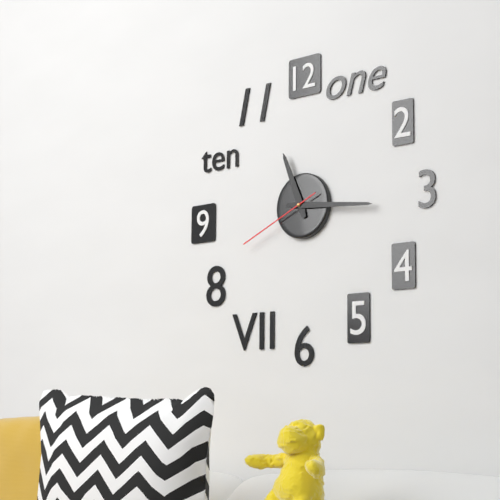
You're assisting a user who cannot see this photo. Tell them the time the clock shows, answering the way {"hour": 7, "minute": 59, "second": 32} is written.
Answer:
{"hour": 11, "minute": 16, "second": 41}
